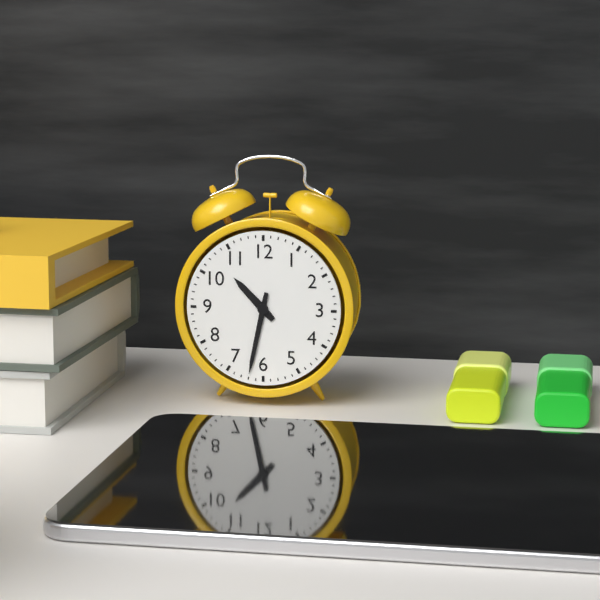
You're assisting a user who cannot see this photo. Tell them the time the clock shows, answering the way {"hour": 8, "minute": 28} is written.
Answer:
{"hour": 10, "minute": 32}
